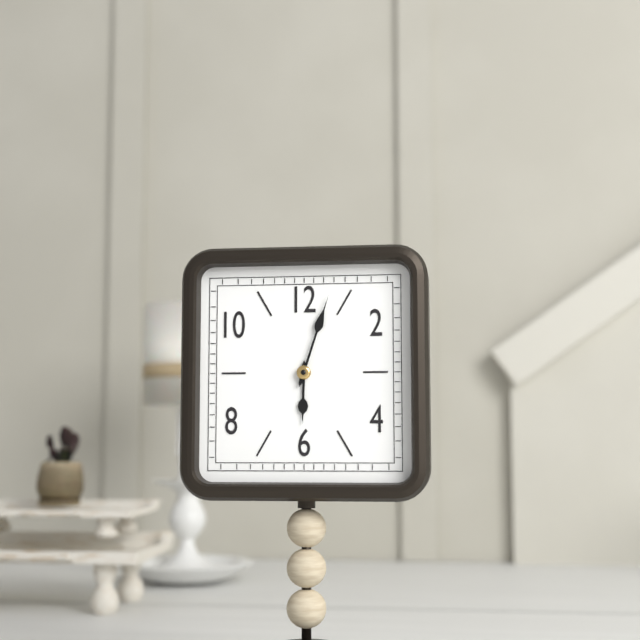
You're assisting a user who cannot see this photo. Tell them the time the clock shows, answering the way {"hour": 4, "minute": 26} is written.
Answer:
{"hour": 6, "minute": 3}
